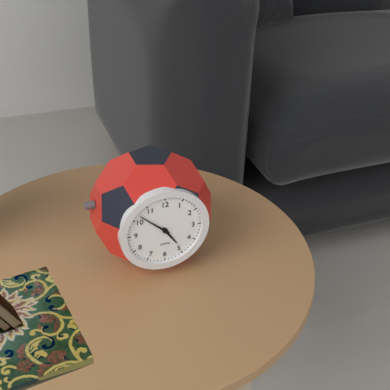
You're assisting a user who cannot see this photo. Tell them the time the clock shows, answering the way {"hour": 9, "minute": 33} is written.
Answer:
{"hour": 4, "minute": 52}
